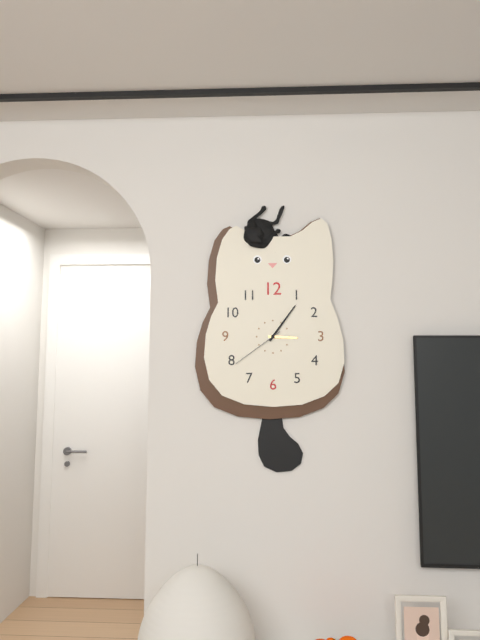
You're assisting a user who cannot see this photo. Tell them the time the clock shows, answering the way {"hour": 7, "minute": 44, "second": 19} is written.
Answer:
{"hour": 3, "minute": 6, "second": 39}
